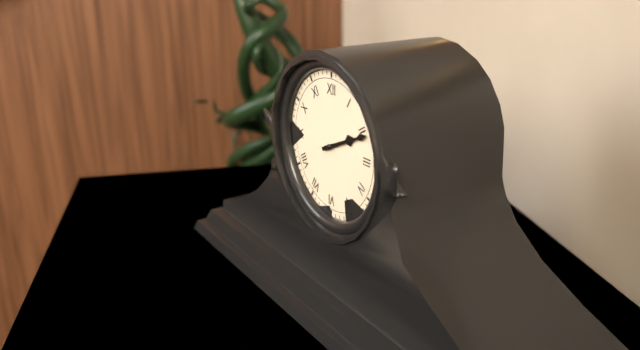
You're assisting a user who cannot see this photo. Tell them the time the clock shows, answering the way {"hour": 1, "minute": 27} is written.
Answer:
{"hour": 2, "minute": 11}
